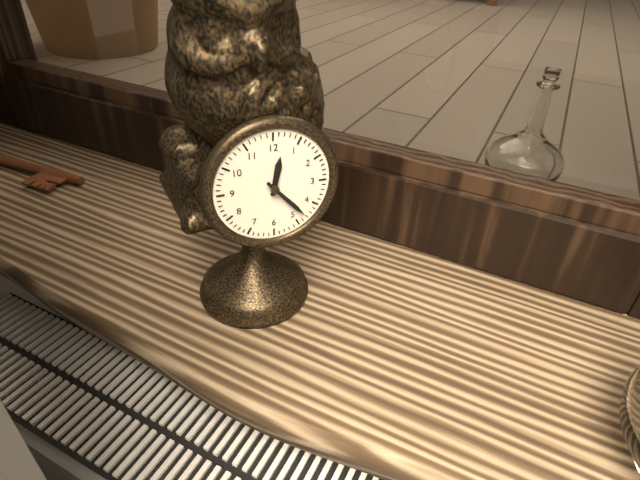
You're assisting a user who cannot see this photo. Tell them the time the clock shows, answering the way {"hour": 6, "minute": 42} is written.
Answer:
{"hour": 12, "minute": 23}
